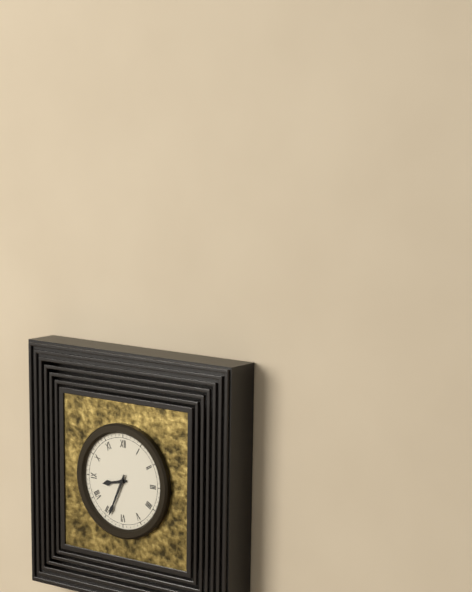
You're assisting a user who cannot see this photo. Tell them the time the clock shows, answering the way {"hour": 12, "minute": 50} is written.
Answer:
{"hour": 8, "minute": 34}
